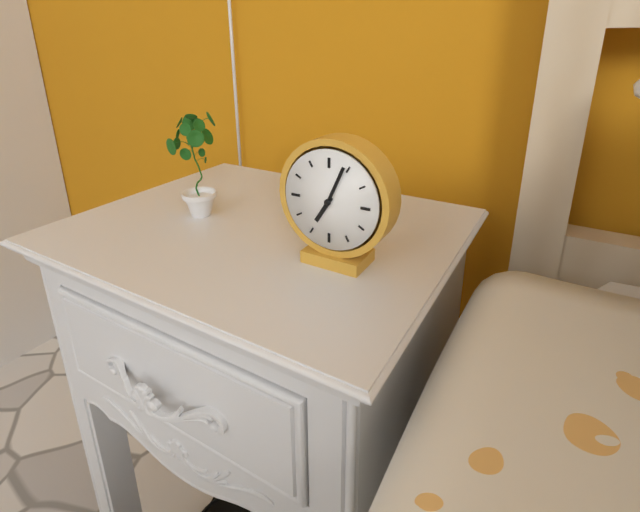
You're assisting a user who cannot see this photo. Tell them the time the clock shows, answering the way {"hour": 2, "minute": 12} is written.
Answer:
{"hour": 7, "minute": 4}
